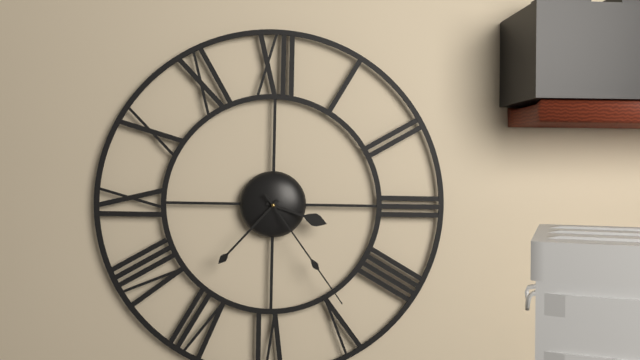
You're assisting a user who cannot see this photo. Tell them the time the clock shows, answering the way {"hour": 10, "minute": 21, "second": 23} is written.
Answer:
{"hour": 3, "minute": 37, "second": 24}
